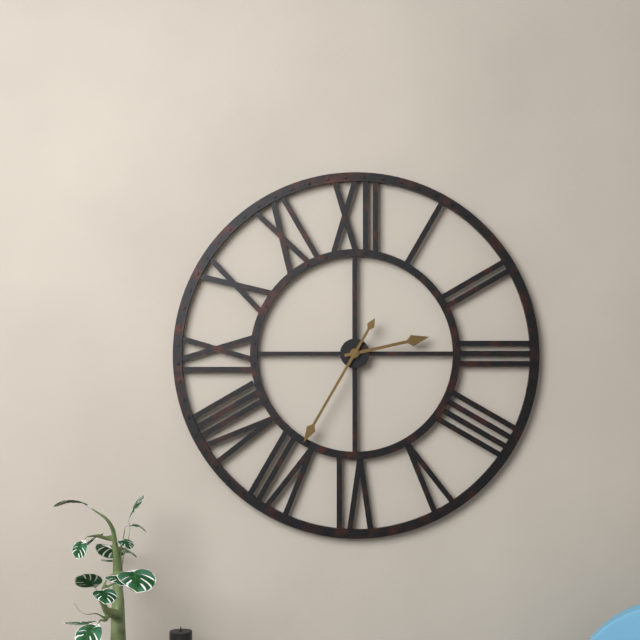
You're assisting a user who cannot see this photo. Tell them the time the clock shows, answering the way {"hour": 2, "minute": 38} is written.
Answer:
{"hour": 2, "minute": 35}
